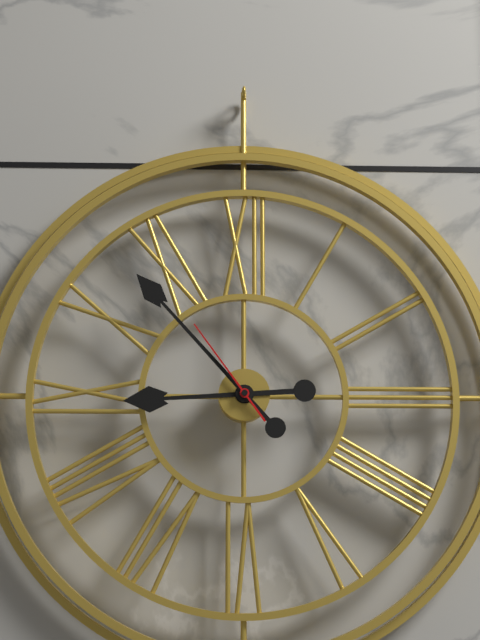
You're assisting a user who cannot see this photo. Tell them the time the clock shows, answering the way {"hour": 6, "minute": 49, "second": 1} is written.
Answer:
{"hour": 8, "minute": 53, "second": 54}
